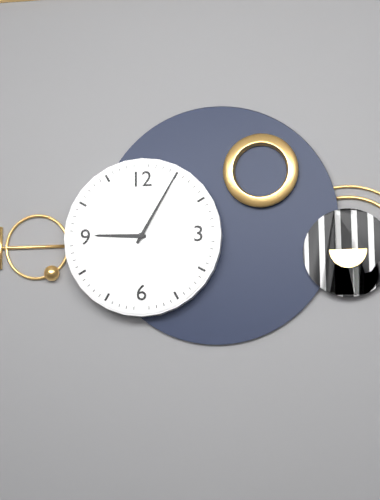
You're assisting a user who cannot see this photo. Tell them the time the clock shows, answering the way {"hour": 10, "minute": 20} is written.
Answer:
{"hour": 9, "minute": 5}
